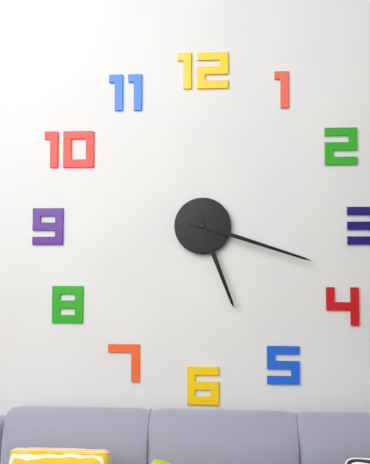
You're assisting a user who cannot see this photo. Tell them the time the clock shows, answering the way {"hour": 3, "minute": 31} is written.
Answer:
{"hour": 5, "minute": 18}
